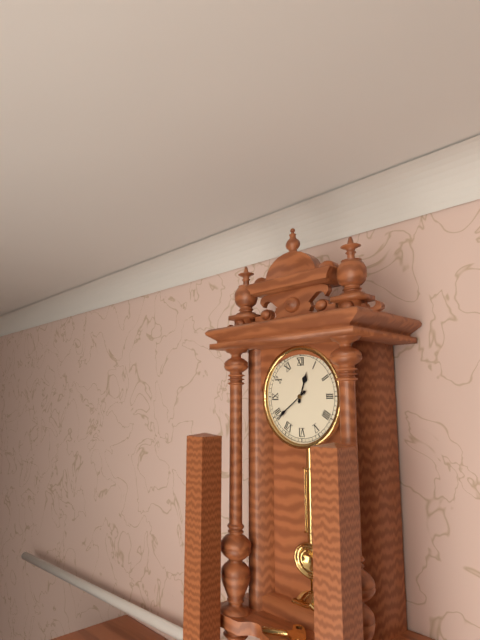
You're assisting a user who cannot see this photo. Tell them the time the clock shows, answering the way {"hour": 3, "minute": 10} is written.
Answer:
{"hour": 12, "minute": 39}
